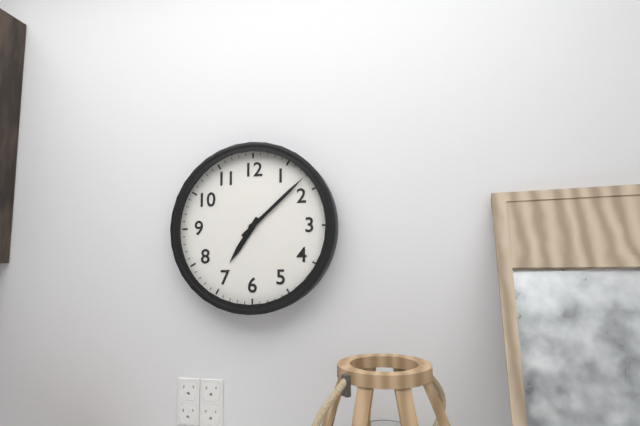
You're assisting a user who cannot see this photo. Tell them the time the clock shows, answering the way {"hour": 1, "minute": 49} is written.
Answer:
{"hour": 7, "minute": 8}
